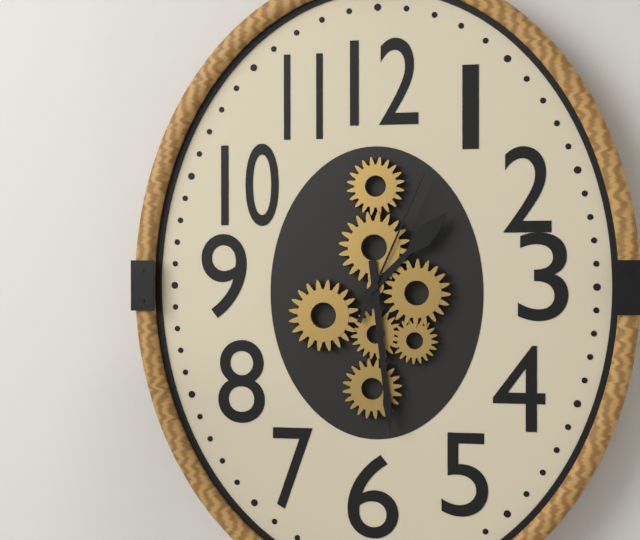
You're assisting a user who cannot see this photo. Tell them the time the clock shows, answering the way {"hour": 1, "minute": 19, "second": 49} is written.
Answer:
{"hour": 1, "minute": 29, "second": 4}
